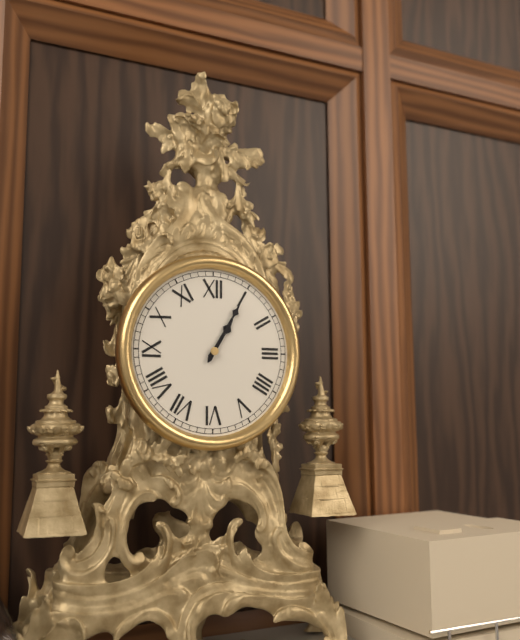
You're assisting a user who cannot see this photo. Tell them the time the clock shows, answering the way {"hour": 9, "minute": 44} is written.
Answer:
{"hour": 1, "minute": 5}
